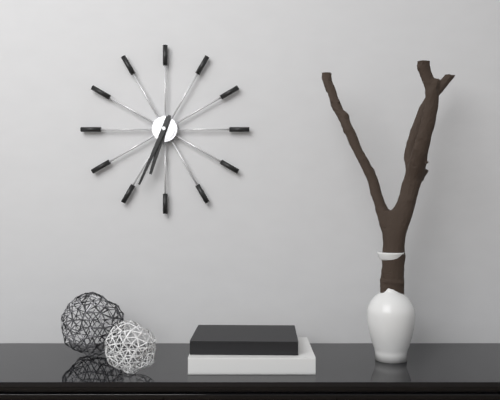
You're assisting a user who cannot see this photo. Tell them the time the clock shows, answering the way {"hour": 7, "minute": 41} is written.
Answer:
{"hour": 6, "minute": 34}
